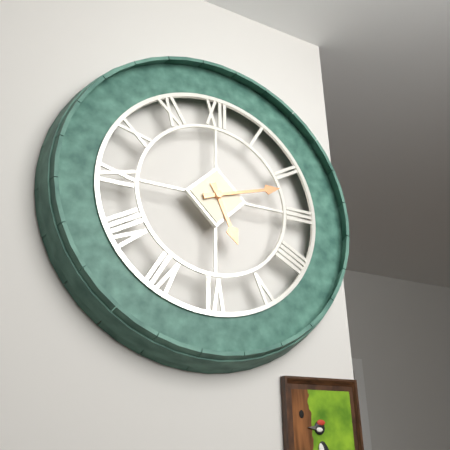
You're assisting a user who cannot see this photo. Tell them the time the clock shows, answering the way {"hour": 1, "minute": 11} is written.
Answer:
{"hour": 5, "minute": 12}
